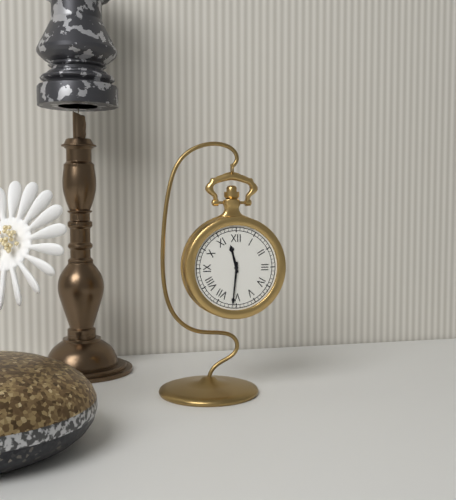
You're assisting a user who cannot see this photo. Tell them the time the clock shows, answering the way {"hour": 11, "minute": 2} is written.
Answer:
{"hour": 11, "minute": 31}
